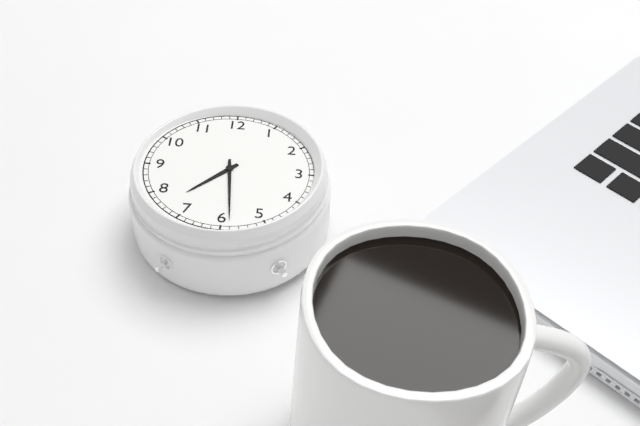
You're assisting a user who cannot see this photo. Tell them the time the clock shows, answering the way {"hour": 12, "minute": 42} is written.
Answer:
{"hour": 7, "minute": 29}
